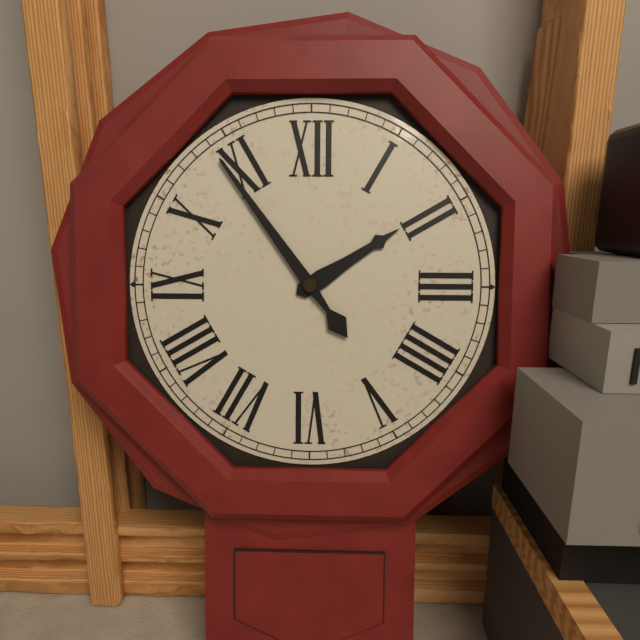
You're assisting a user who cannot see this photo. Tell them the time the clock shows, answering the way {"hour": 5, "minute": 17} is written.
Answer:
{"hour": 1, "minute": 54}
